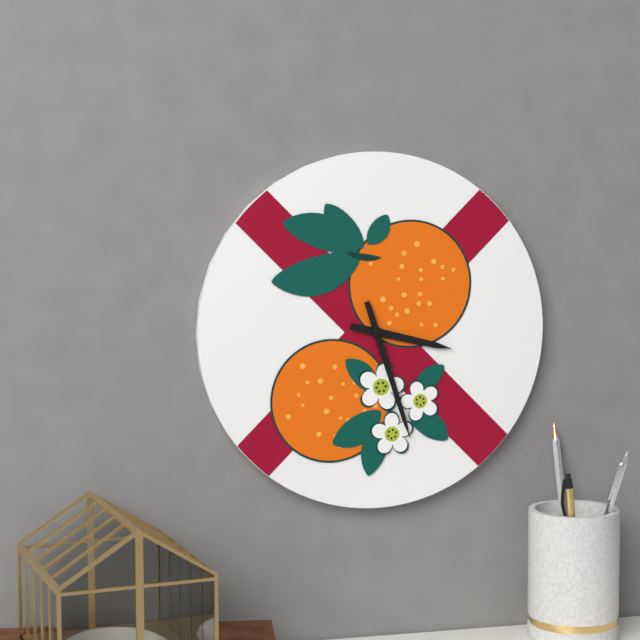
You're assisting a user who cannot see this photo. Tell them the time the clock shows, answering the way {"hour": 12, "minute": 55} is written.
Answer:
{"hour": 3, "minute": 27}
